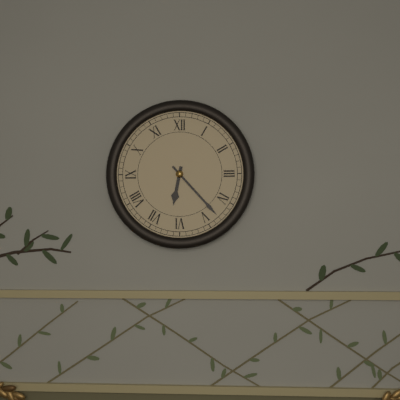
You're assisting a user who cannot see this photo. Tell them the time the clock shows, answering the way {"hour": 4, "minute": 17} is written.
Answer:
{"hour": 6, "minute": 23}
